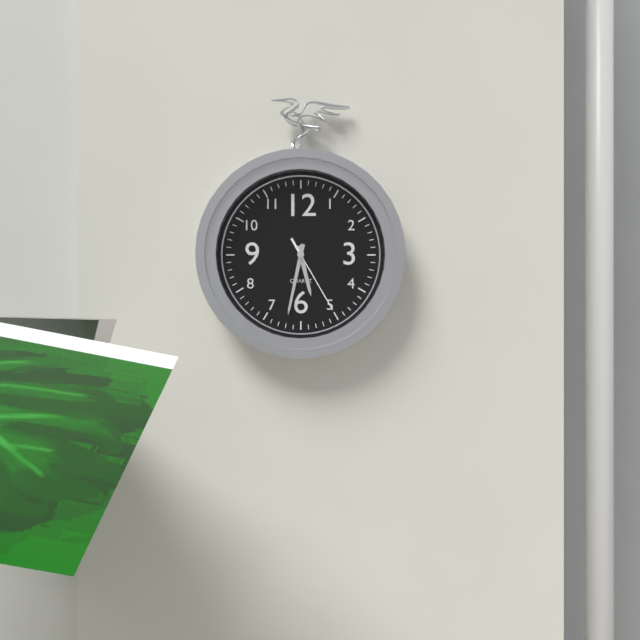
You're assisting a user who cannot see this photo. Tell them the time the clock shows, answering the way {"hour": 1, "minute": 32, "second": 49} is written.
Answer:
{"hour": 5, "minute": 32, "second": 25}
